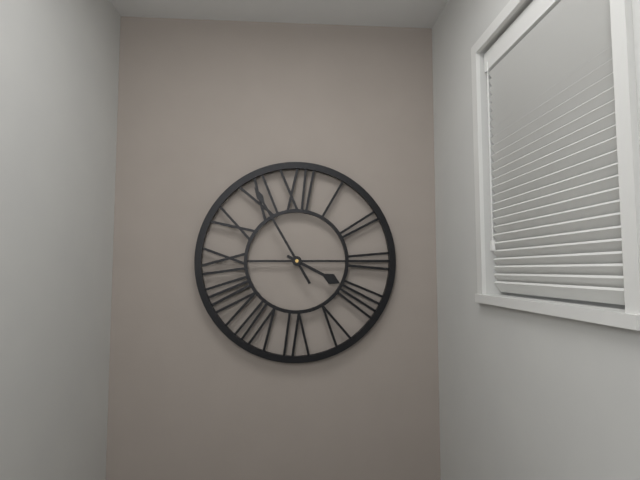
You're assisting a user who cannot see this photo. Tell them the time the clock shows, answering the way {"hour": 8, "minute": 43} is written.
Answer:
{"hour": 3, "minute": 55}
